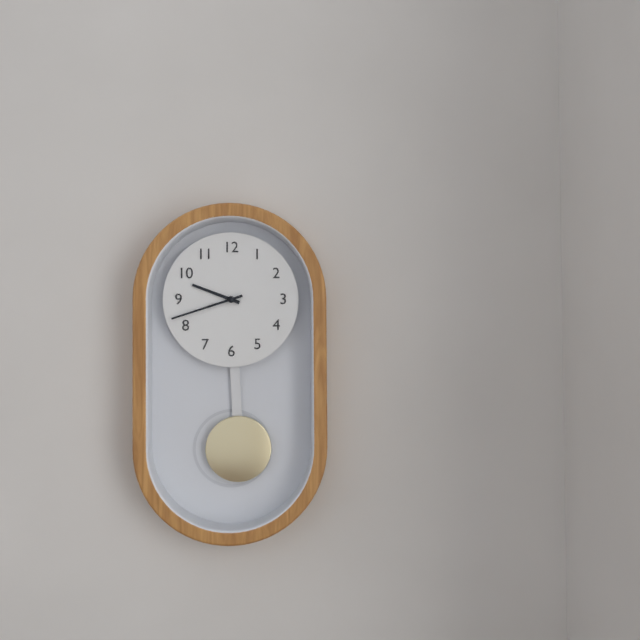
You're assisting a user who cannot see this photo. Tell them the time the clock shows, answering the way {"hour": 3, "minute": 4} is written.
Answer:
{"hour": 9, "minute": 42}
